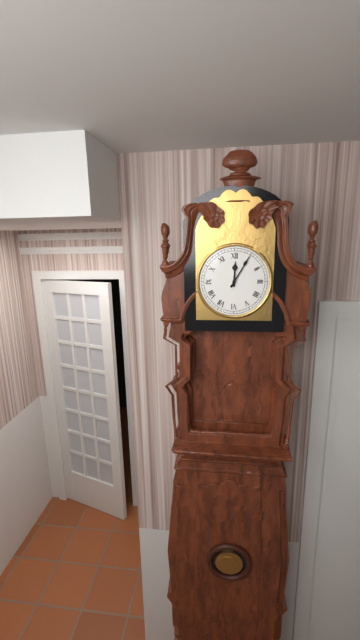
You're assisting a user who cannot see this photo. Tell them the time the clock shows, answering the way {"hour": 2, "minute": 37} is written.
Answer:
{"hour": 12, "minute": 5}
